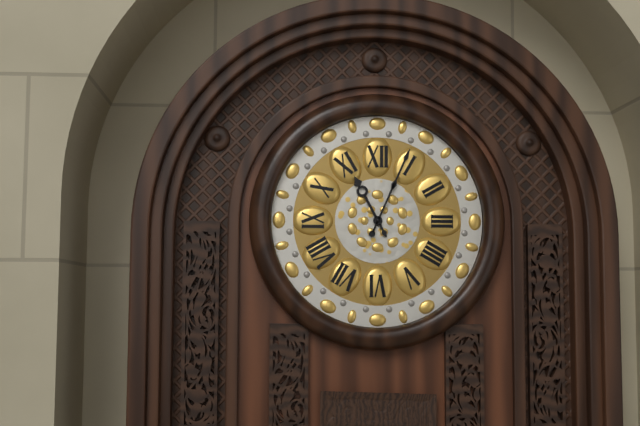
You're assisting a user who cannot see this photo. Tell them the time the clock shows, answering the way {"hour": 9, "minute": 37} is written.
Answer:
{"hour": 11, "minute": 4}
